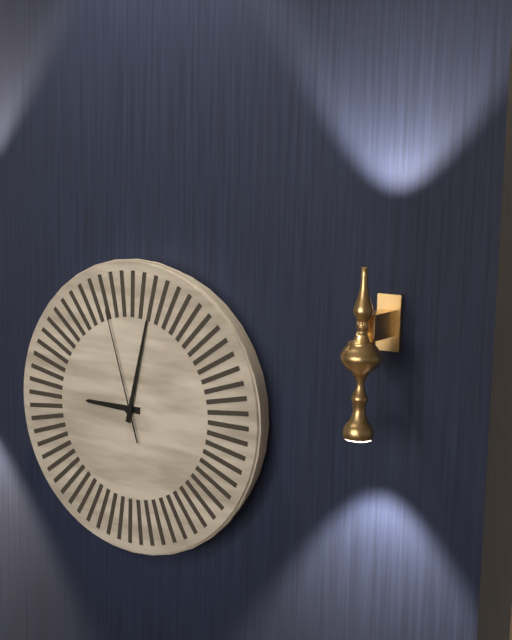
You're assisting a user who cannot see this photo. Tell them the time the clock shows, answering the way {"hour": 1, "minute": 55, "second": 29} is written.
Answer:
{"hour": 9, "minute": 2, "second": 57}
